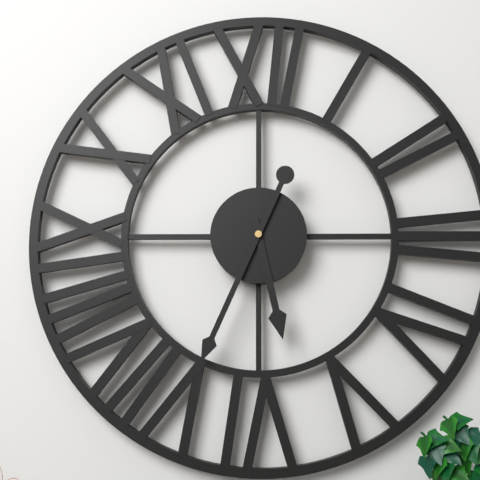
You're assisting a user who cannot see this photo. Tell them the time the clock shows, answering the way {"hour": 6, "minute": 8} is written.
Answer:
{"hour": 5, "minute": 34}
